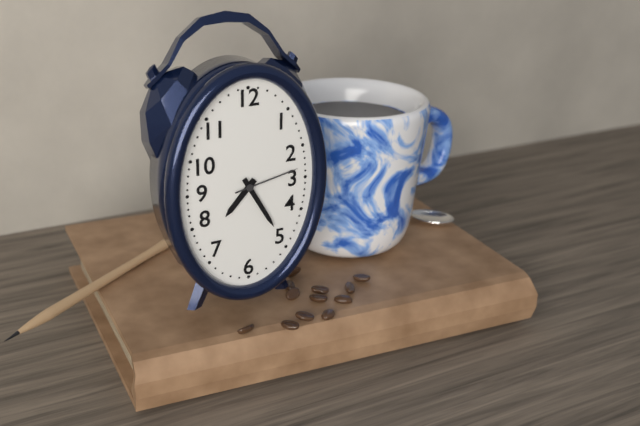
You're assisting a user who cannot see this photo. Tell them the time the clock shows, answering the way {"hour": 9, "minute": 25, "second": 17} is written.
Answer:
{"hour": 7, "minute": 25, "second": 13}
